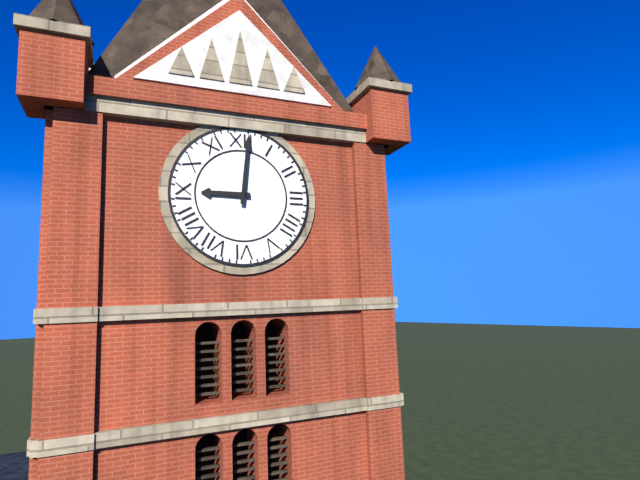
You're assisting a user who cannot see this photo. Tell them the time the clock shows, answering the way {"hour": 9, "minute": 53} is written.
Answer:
{"hour": 9, "minute": 1}
